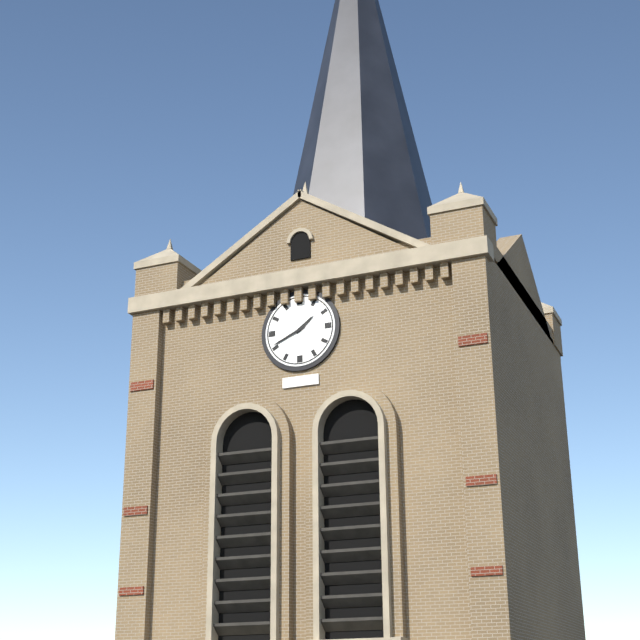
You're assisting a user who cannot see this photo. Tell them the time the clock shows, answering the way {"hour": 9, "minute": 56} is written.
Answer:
{"hour": 1, "minute": 41}
